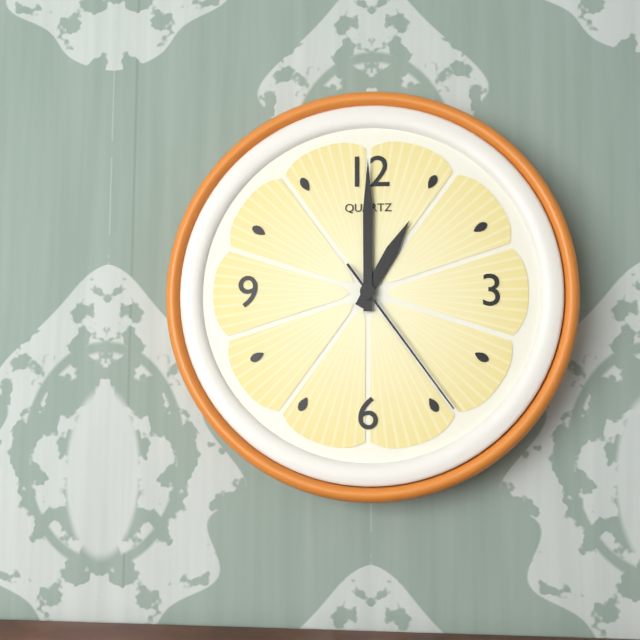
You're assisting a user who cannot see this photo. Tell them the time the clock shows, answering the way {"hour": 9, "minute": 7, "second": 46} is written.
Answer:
{"hour": 1, "minute": 0, "second": 24}
